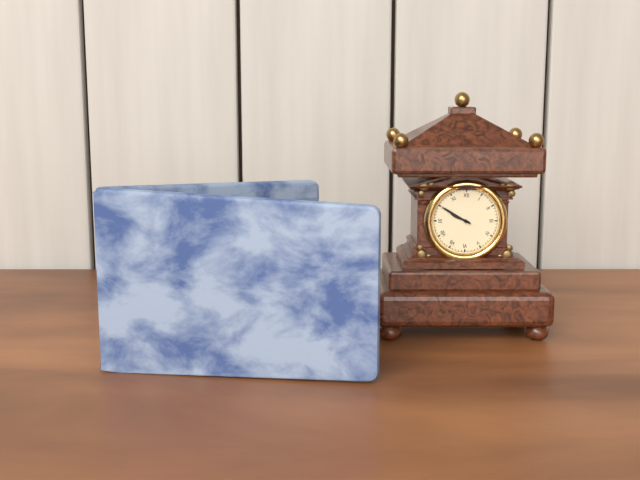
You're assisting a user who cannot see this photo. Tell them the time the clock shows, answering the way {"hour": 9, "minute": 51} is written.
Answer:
{"hour": 9, "minute": 50}
